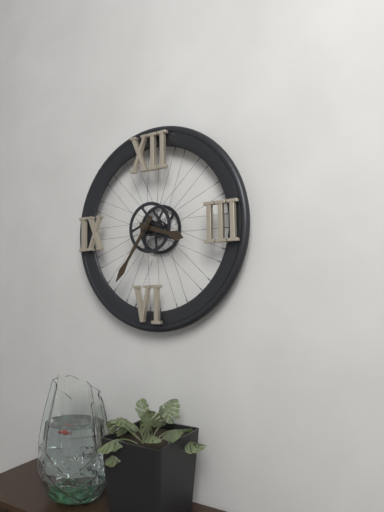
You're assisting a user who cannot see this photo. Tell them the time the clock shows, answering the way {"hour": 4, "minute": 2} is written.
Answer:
{"hour": 3, "minute": 36}
